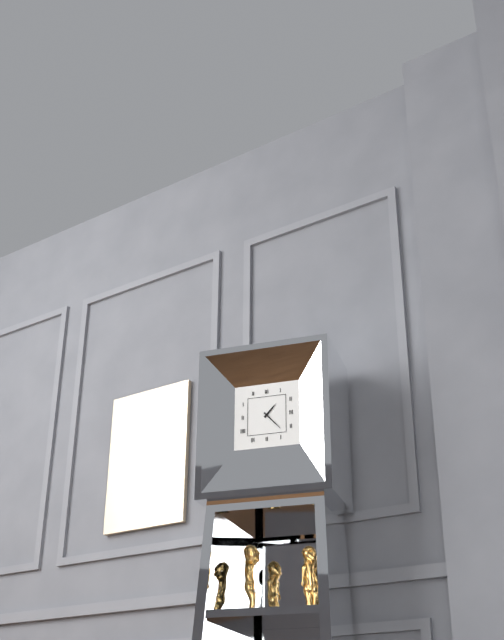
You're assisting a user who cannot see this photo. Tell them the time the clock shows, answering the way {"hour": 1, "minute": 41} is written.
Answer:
{"hour": 1, "minute": 23}
